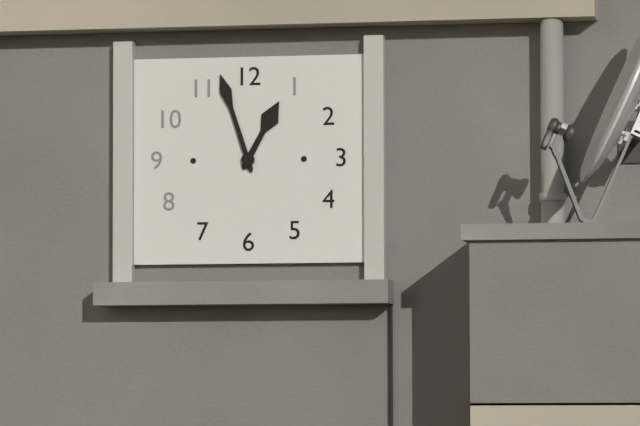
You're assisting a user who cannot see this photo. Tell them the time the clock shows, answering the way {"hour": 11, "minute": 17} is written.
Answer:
{"hour": 12, "minute": 57}
